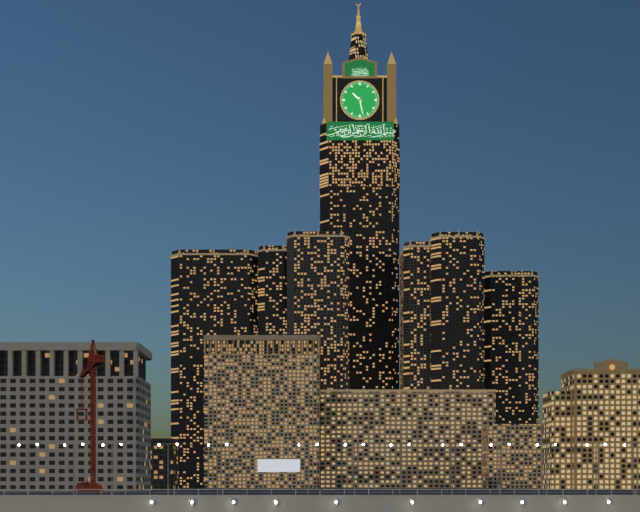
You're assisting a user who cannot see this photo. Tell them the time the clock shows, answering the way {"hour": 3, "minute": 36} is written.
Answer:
{"hour": 10, "minute": 28}
